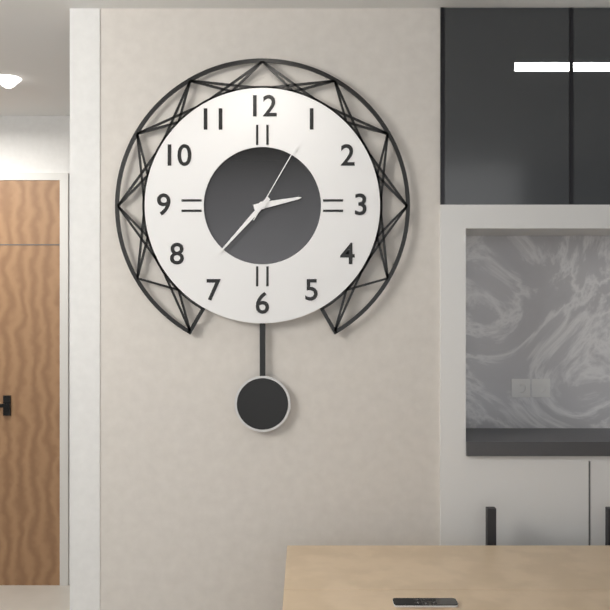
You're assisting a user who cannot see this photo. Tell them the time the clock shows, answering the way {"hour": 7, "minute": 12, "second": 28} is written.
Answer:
{"hour": 2, "minute": 37, "second": 5}
